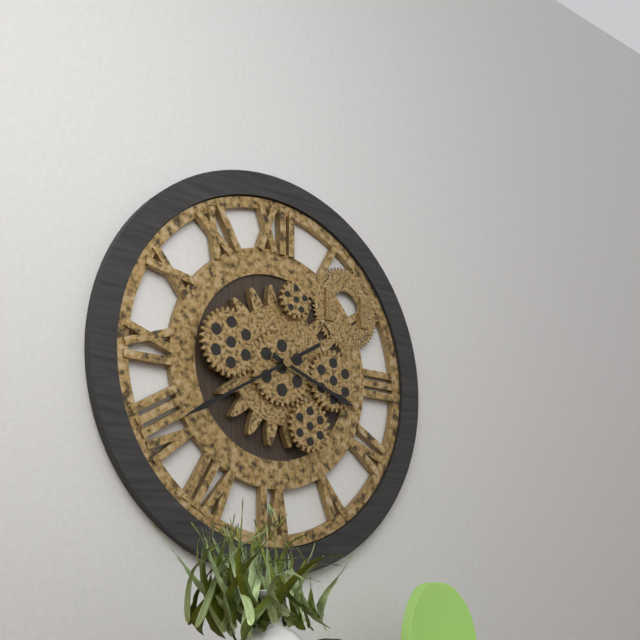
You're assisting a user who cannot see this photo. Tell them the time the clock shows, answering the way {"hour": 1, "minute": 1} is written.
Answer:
{"hour": 3, "minute": 40}
